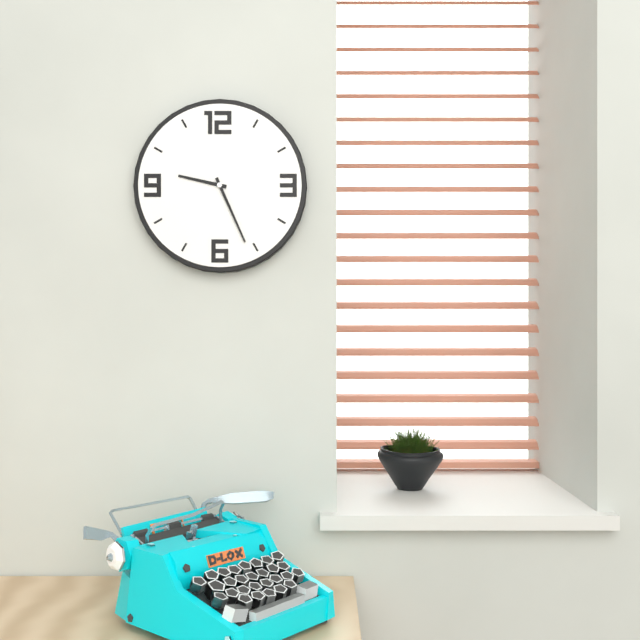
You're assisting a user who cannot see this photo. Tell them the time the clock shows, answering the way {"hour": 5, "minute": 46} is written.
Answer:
{"hour": 9, "minute": 26}
